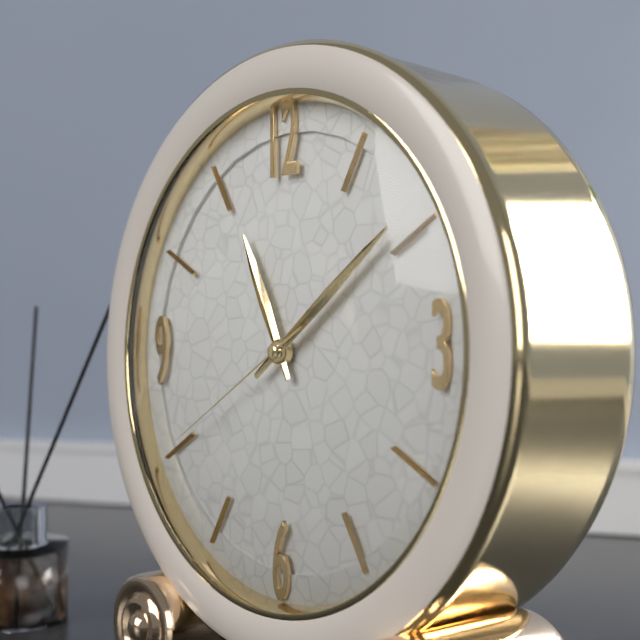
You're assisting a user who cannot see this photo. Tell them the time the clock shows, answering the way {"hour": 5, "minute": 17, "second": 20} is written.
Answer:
{"hour": 11, "minute": 9, "second": 40}
